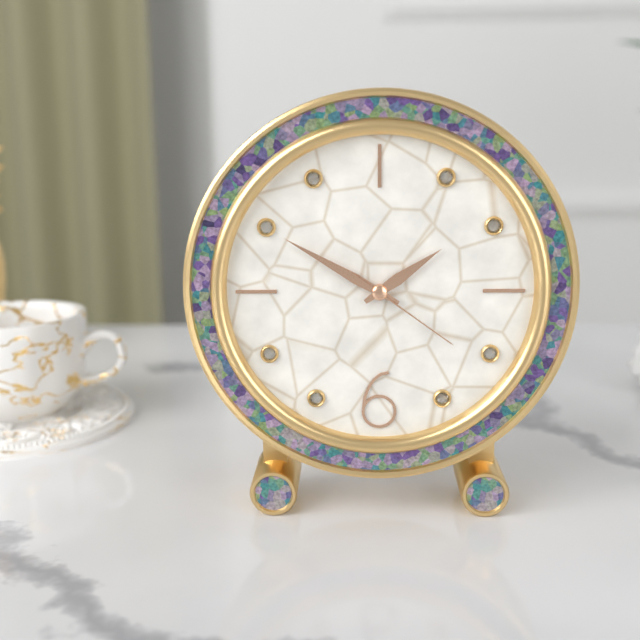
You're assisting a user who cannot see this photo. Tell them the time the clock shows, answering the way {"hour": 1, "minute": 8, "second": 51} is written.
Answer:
{"hour": 1, "minute": 50, "second": 21}
